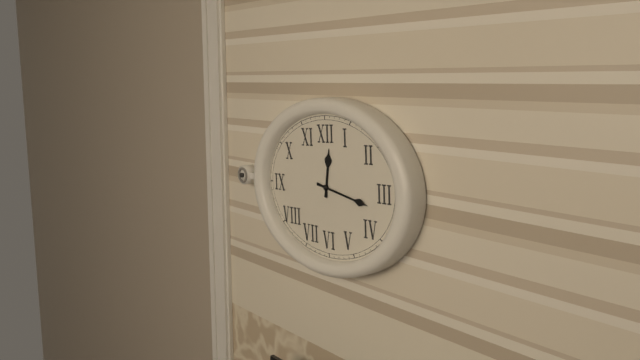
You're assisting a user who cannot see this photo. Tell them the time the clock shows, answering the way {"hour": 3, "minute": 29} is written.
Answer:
{"hour": 12, "minute": 17}
